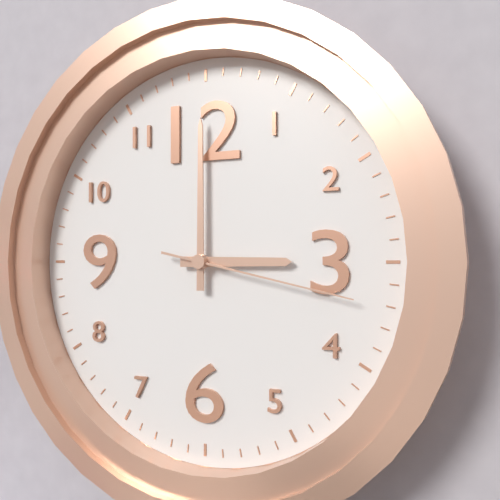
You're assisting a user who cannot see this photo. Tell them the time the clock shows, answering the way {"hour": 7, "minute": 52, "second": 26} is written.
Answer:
{"hour": 3, "minute": 0, "second": 17}
